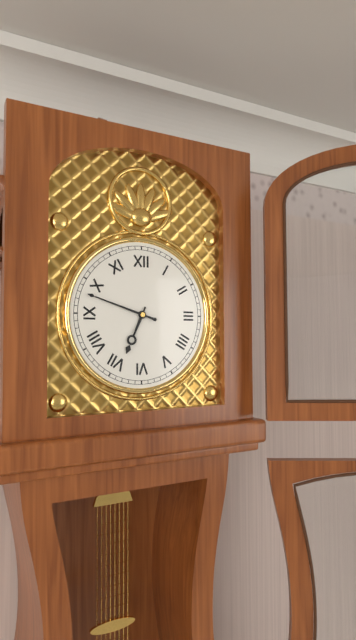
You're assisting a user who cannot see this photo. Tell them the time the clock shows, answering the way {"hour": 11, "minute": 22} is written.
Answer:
{"hour": 6, "minute": 48}
